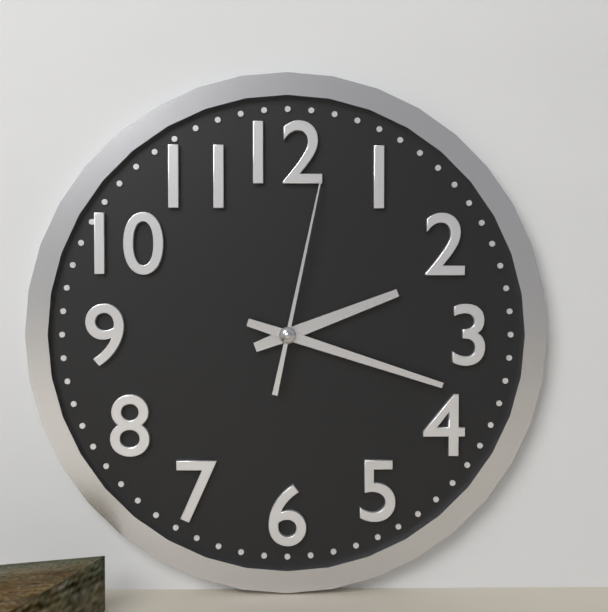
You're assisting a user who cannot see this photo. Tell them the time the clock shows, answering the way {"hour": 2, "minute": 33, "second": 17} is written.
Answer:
{"hour": 2, "minute": 18, "second": 2}
